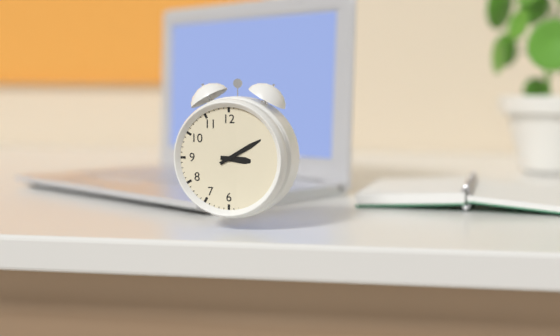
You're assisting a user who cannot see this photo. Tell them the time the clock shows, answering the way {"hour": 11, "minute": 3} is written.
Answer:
{"hour": 3, "minute": 10}
